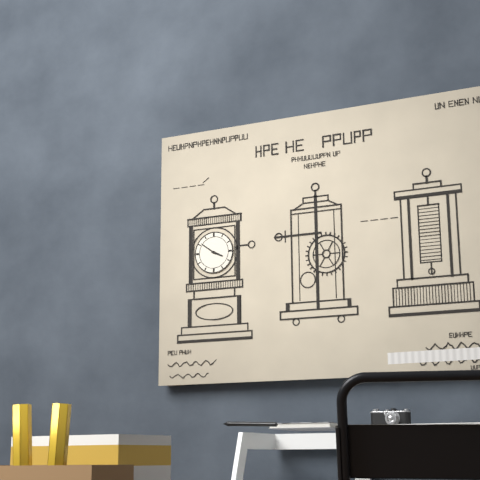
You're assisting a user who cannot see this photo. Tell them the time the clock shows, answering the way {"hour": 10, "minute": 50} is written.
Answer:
{"hour": 3, "minute": 51}
